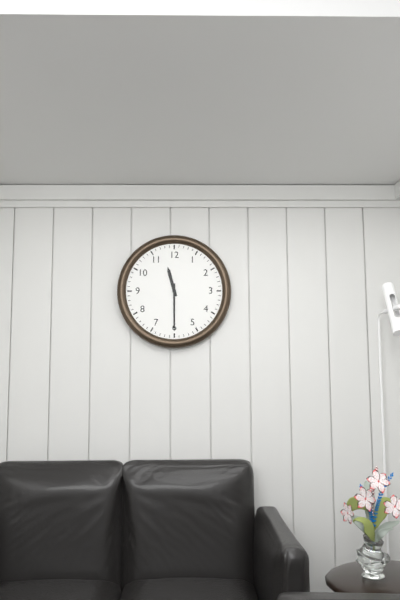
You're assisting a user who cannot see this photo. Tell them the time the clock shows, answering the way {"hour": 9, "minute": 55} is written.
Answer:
{"hour": 11, "minute": 30}
